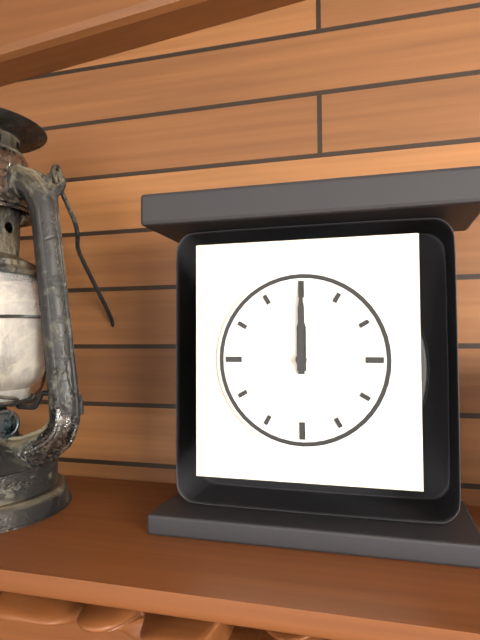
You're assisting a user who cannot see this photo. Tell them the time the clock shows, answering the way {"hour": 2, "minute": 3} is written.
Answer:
{"hour": 12, "minute": 0}
